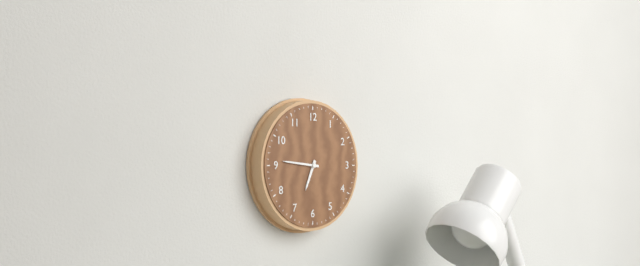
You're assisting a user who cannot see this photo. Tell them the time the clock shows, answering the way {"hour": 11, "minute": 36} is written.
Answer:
{"hour": 6, "minute": 46}
